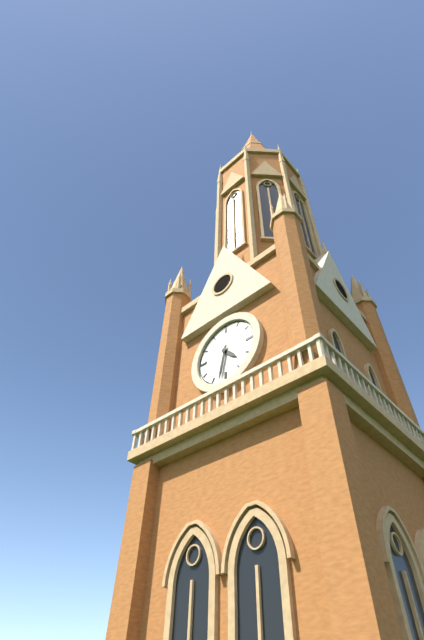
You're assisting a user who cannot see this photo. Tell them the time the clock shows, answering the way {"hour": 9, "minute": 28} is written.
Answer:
{"hour": 4, "minute": 32}
